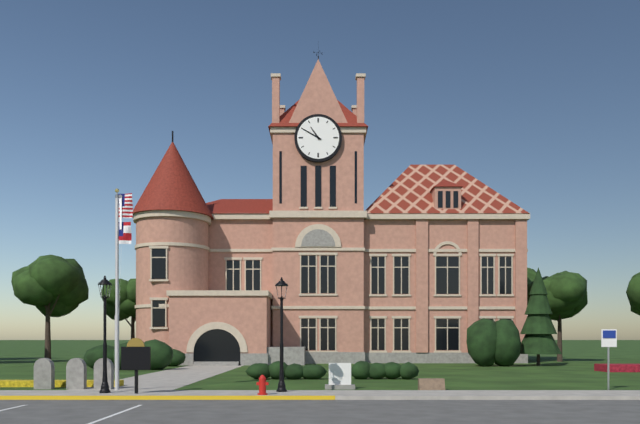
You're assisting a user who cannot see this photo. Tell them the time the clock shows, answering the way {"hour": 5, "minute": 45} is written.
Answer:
{"hour": 10, "minute": 50}
